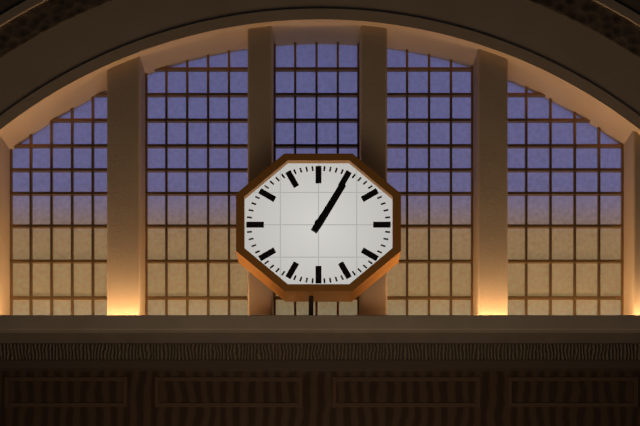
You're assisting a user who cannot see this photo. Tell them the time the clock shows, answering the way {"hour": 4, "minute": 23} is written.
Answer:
{"hour": 1, "minute": 5}
